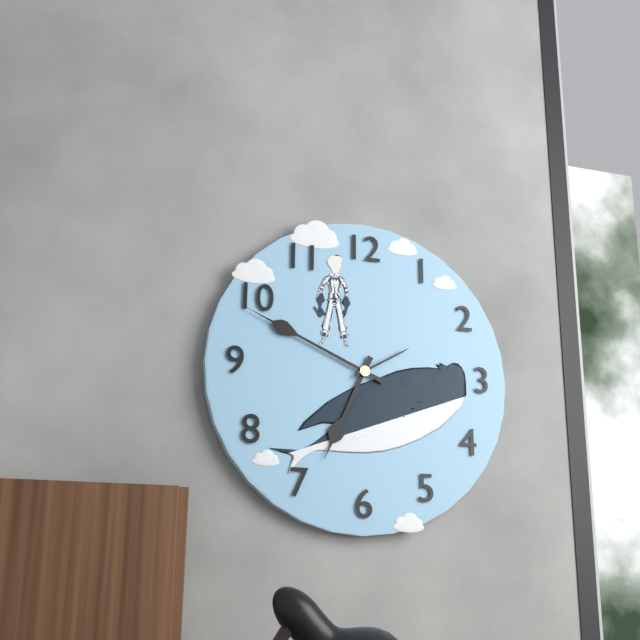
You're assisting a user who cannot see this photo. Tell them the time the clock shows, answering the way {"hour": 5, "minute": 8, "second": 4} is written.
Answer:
{"hour": 6, "minute": 49, "second": 10}
